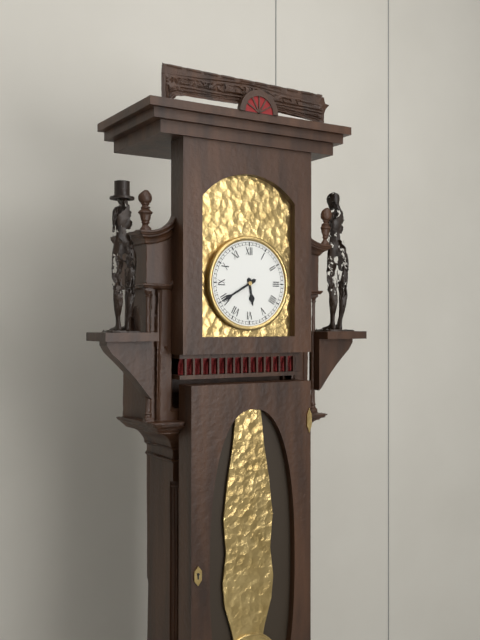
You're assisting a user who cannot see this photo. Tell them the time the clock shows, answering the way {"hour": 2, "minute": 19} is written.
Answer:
{"hour": 5, "minute": 40}
